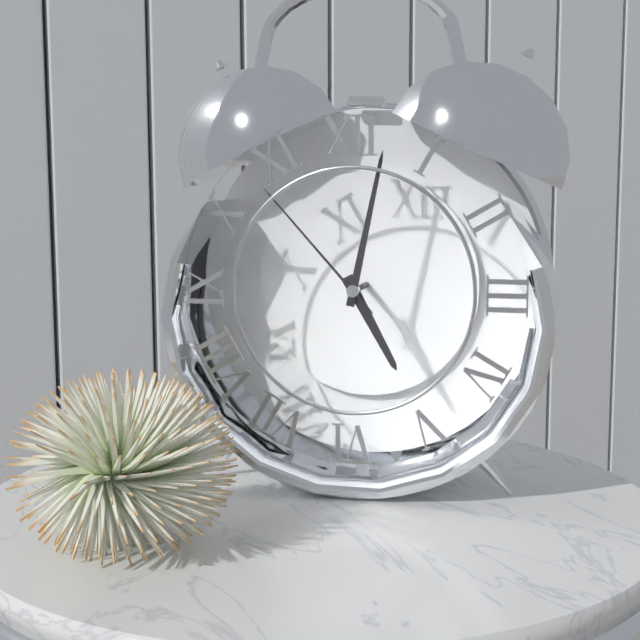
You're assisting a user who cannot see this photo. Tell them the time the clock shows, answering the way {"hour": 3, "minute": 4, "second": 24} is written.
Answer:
{"hour": 5, "minute": 2, "second": 53}
